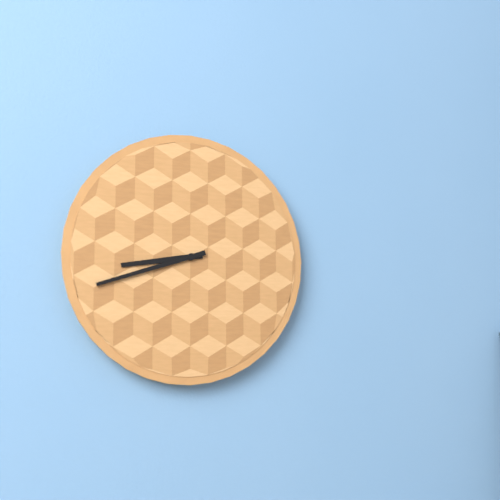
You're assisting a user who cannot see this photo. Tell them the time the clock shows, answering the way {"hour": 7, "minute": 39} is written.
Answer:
{"hour": 8, "minute": 42}
